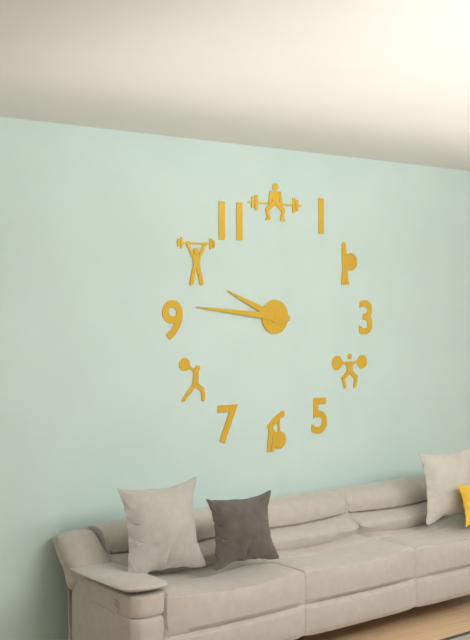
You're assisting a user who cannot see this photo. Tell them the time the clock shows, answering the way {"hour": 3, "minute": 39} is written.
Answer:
{"hour": 9, "minute": 46}
